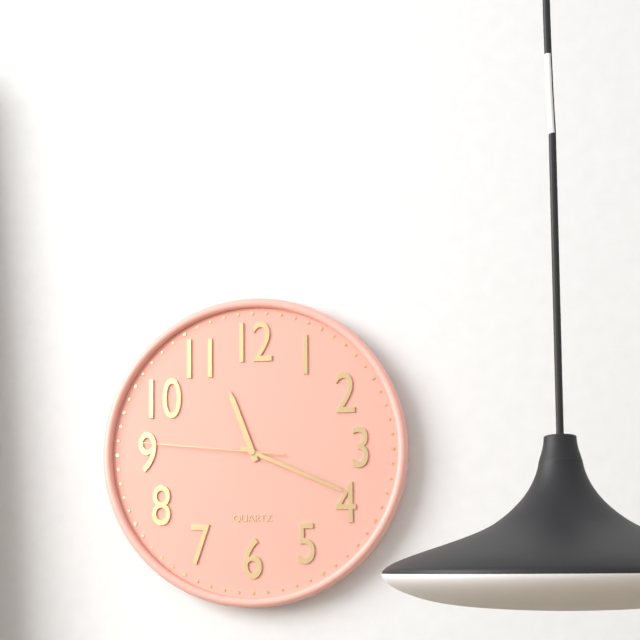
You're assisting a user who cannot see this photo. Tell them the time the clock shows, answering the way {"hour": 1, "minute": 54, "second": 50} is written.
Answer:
{"hour": 11, "minute": 19, "second": 46}
